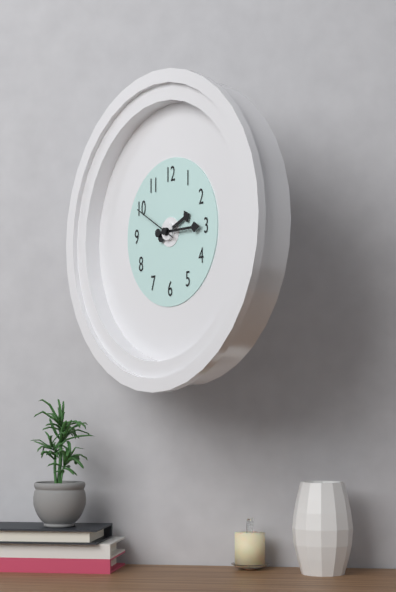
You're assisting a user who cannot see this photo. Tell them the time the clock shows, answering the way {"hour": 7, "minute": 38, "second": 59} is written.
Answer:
{"hour": 2, "minute": 15, "second": 50}
